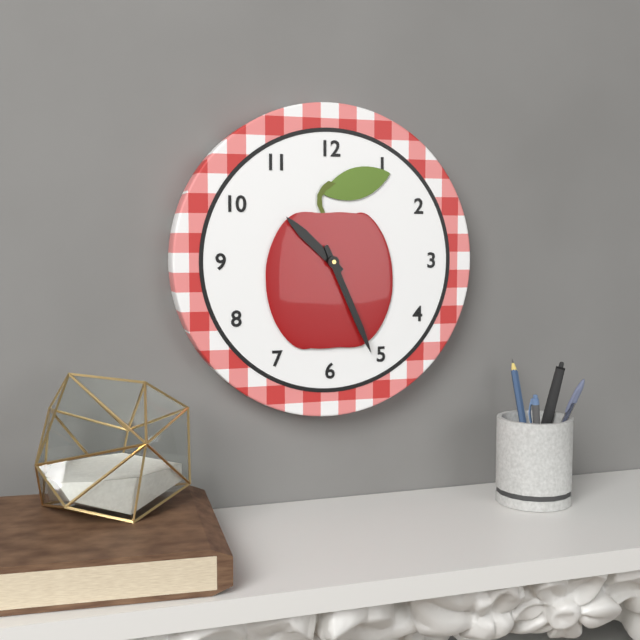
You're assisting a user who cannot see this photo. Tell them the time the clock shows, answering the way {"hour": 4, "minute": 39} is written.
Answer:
{"hour": 10, "minute": 26}
